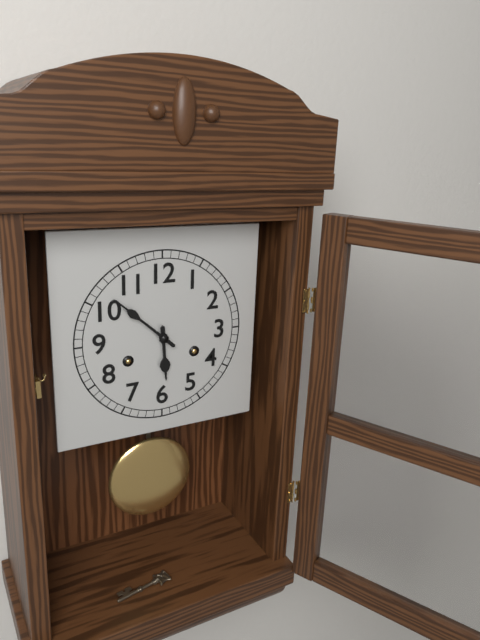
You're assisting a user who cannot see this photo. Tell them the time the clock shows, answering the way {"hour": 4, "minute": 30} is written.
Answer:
{"hour": 5, "minute": 52}
